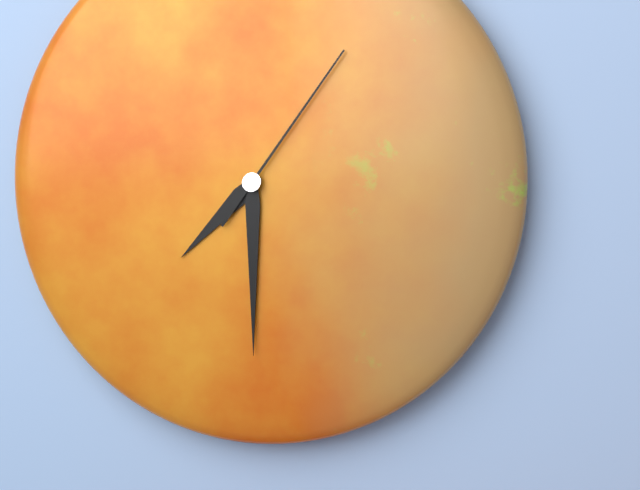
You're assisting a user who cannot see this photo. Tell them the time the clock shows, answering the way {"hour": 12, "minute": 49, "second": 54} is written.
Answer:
{"hour": 7, "minute": 30, "second": 6}
